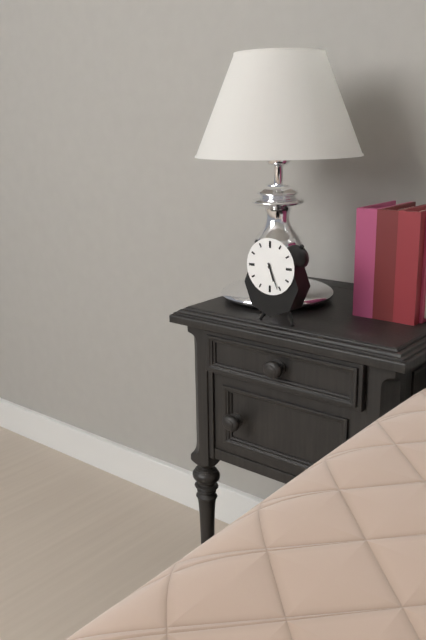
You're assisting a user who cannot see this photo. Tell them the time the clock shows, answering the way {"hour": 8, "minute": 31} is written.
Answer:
{"hour": 5, "minute": 26}
